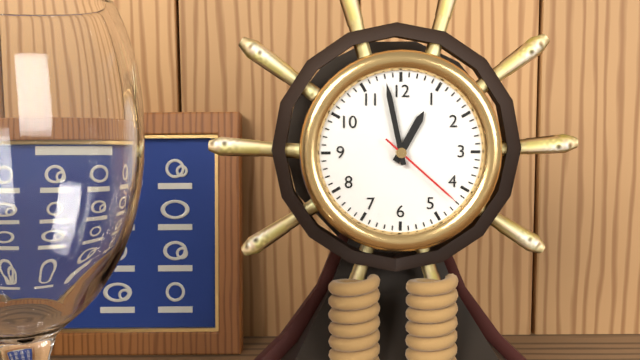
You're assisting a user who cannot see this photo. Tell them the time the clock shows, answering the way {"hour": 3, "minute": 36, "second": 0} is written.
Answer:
{"hour": 12, "minute": 58, "second": 22}
